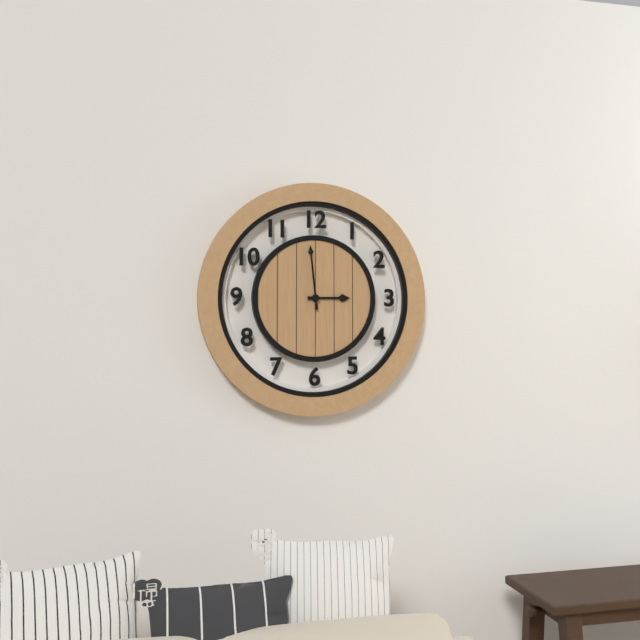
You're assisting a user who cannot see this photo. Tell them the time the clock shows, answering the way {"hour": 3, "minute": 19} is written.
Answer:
{"hour": 2, "minute": 59}
